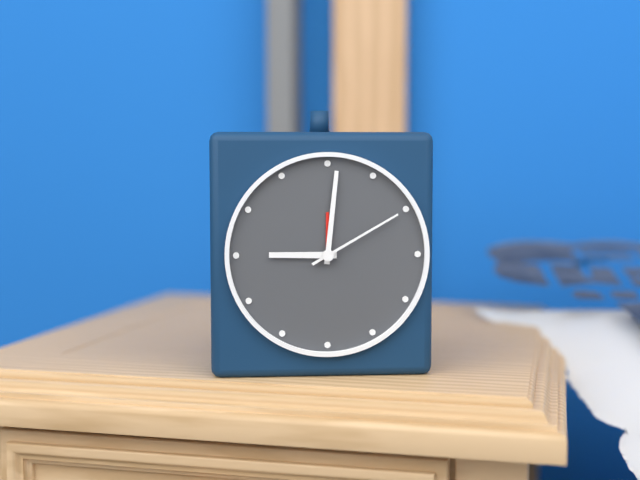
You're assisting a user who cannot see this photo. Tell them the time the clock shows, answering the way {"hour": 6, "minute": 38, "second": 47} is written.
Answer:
{"hour": 9, "minute": 1, "second": 10}
